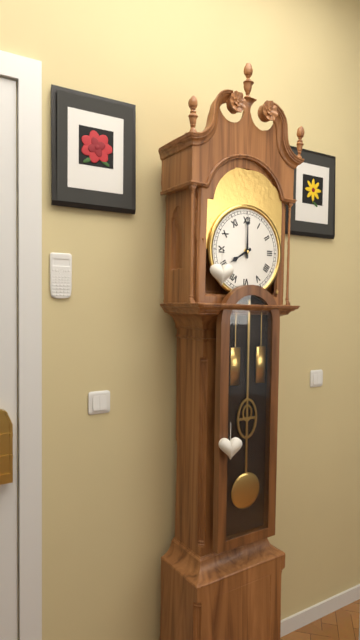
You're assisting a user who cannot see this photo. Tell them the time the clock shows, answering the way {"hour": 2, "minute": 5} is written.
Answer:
{"hour": 8, "minute": 0}
